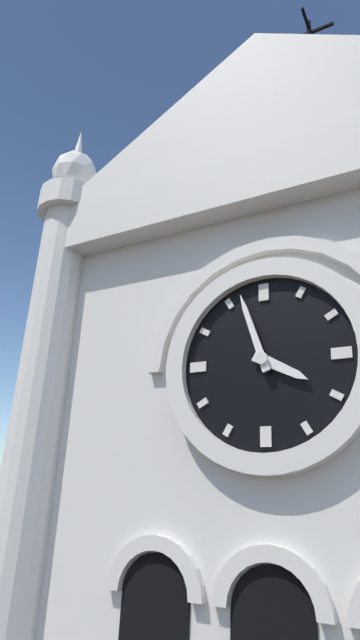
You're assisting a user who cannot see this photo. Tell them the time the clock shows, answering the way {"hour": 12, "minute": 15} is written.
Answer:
{"hour": 3, "minute": 57}
